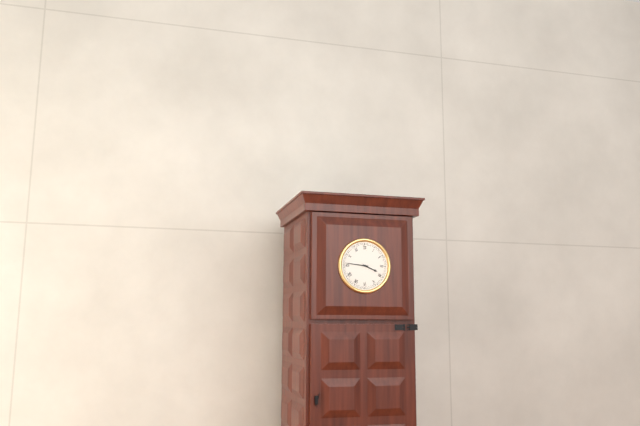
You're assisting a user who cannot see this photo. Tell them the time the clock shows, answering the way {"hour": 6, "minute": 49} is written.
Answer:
{"hour": 3, "minute": 46}
